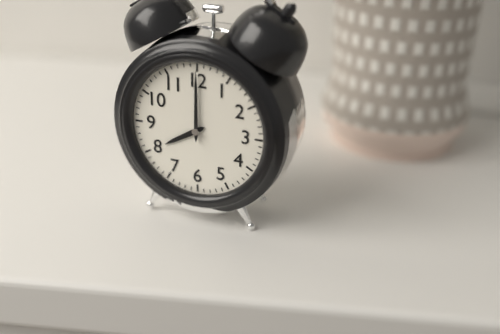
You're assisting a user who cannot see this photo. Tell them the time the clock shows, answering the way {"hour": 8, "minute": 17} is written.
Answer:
{"hour": 8, "minute": 0}
